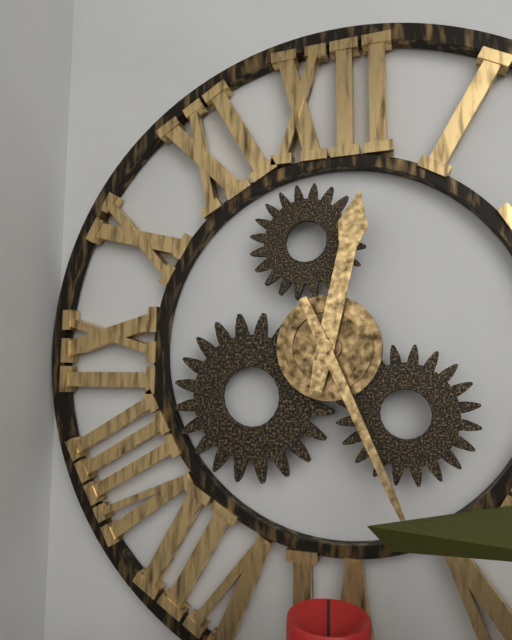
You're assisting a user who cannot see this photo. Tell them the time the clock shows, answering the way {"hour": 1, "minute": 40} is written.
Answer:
{"hour": 12, "minute": 26}
